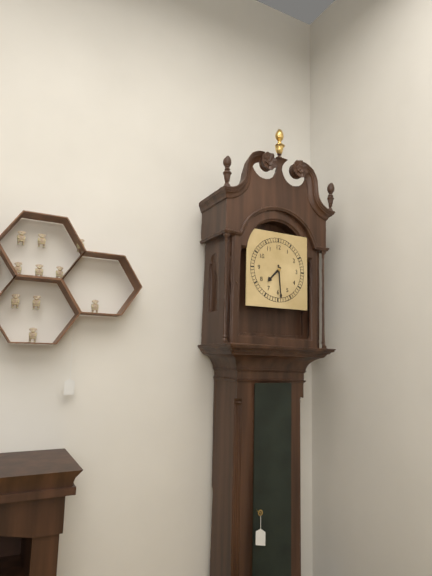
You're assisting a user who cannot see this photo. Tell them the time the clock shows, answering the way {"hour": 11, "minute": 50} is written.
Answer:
{"hour": 7, "minute": 29}
